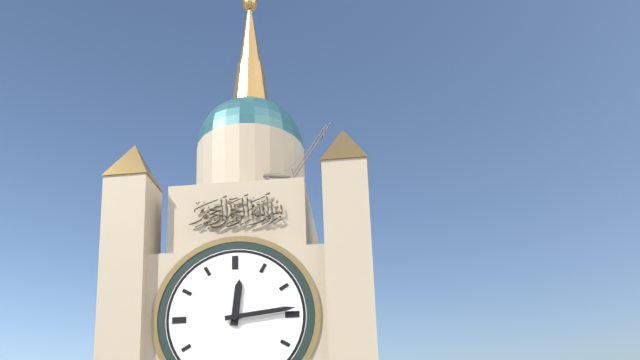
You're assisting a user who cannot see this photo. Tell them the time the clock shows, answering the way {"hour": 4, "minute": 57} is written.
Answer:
{"hour": 12, "minute": 14}
